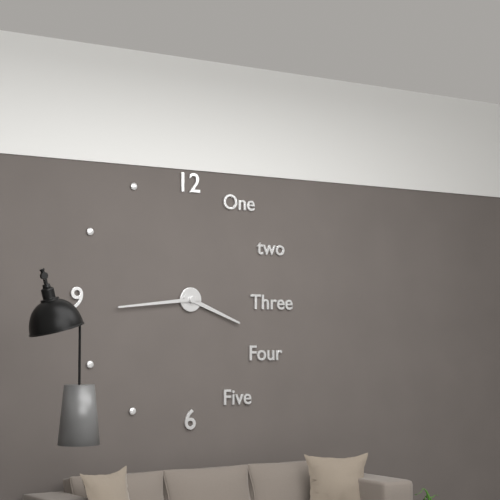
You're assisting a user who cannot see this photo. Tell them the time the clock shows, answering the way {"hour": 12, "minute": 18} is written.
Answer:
{"hour": 3, "minute": 44}
